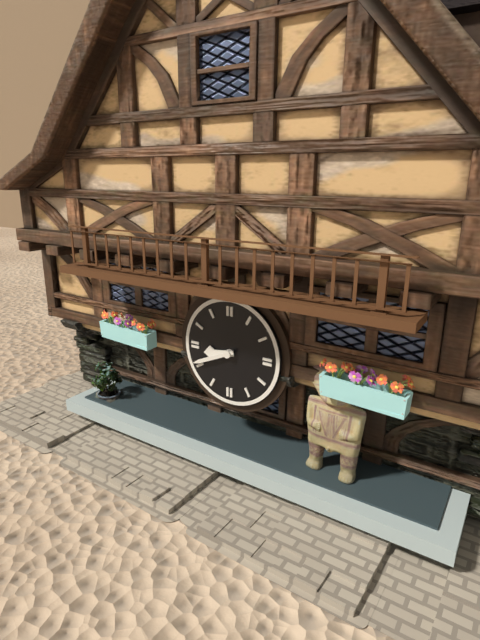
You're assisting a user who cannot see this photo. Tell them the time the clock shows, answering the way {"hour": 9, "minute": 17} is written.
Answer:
{"hour": 8, "minute": 41}
